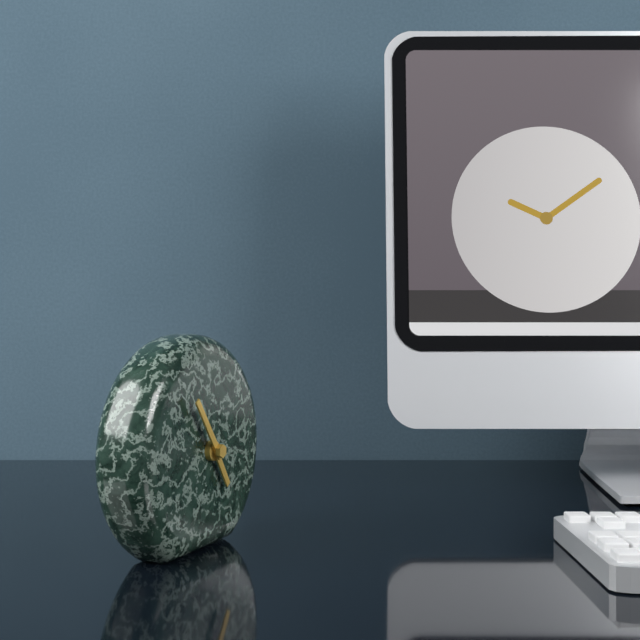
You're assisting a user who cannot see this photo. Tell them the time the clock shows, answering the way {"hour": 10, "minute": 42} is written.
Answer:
{"hour": 4, "minute": 54}
